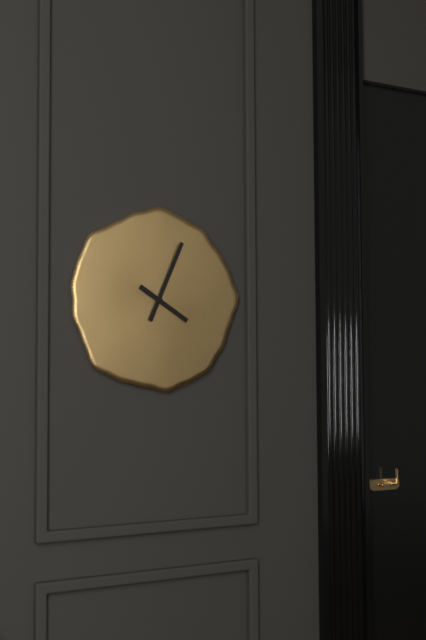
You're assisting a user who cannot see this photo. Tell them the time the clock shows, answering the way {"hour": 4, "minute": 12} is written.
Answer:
{"hour": 4, "minute": 4}
